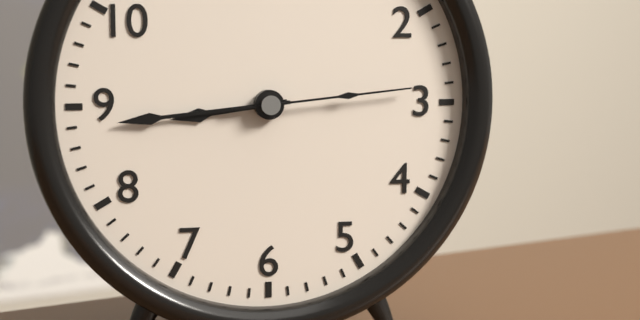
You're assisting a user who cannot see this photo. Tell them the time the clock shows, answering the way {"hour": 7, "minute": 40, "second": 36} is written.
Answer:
{"hour": 8, "minute": 44, "second": 14}
